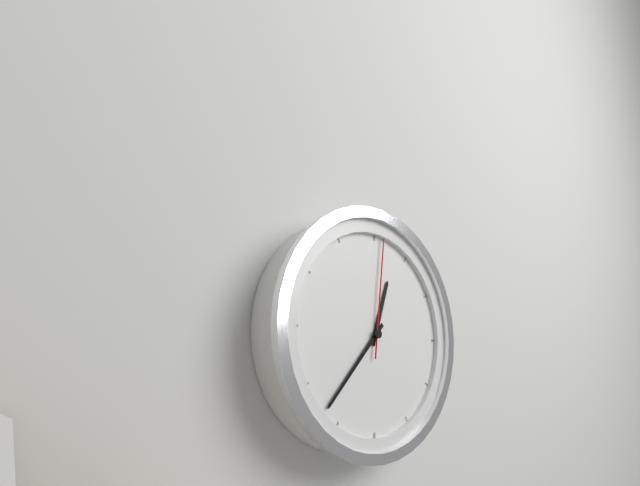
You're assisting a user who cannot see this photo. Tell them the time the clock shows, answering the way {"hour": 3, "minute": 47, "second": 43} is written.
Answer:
{"hour": 12, "minute": 37, "second": 1}
